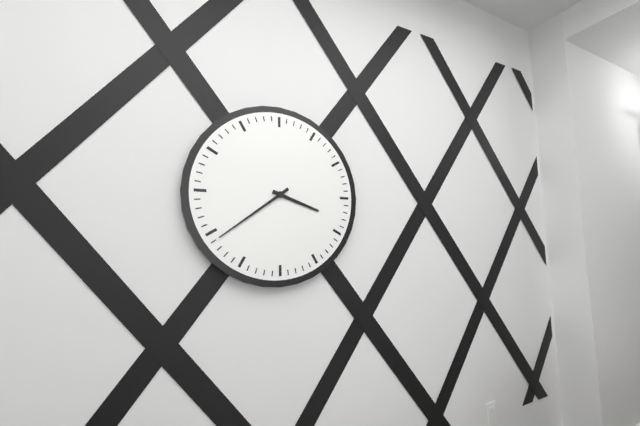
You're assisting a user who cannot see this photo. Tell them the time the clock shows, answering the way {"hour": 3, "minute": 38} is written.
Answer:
{"hour": 3, "minute": 39}
